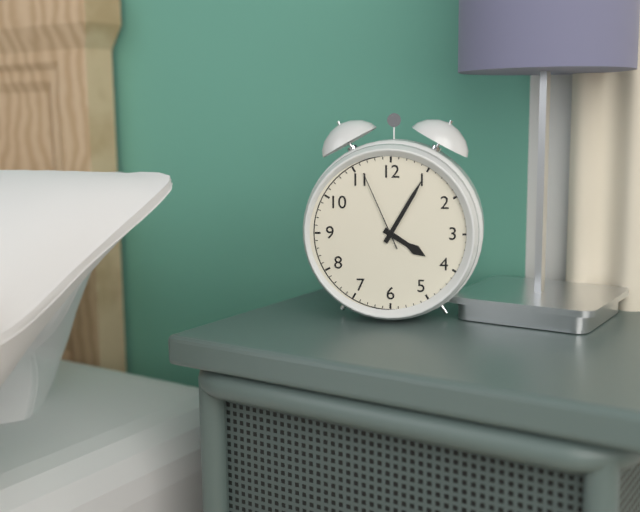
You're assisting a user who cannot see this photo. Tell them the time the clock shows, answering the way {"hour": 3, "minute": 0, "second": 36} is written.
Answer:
{"hour": 4, "minute": 5, "second": 56}
